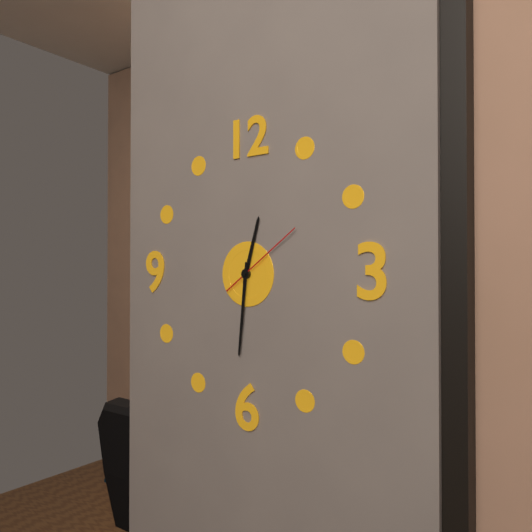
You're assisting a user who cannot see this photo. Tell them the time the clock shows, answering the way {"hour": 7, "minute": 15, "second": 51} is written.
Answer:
{"hour": 12, "minute": 31, "second": 9}
